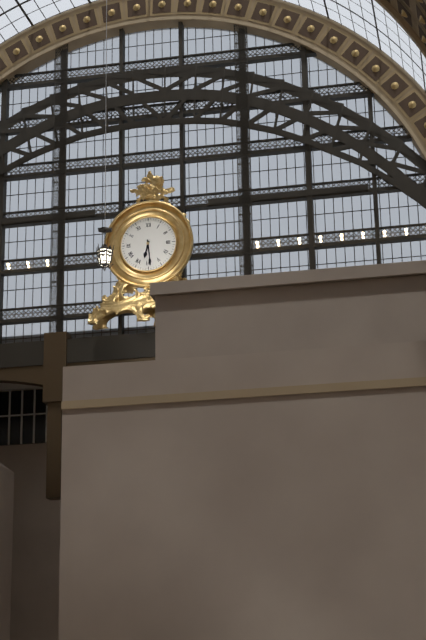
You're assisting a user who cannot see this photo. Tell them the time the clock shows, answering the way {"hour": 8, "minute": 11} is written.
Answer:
{"hour": 6, "minute": 29}
